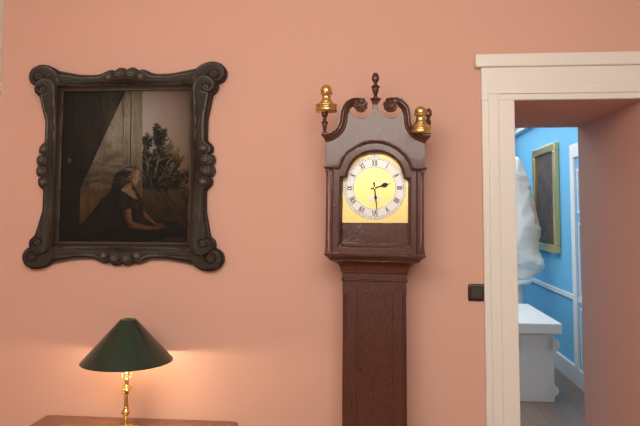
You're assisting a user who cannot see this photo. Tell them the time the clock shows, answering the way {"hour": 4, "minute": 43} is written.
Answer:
{"hour": 2, "minute": 29}
